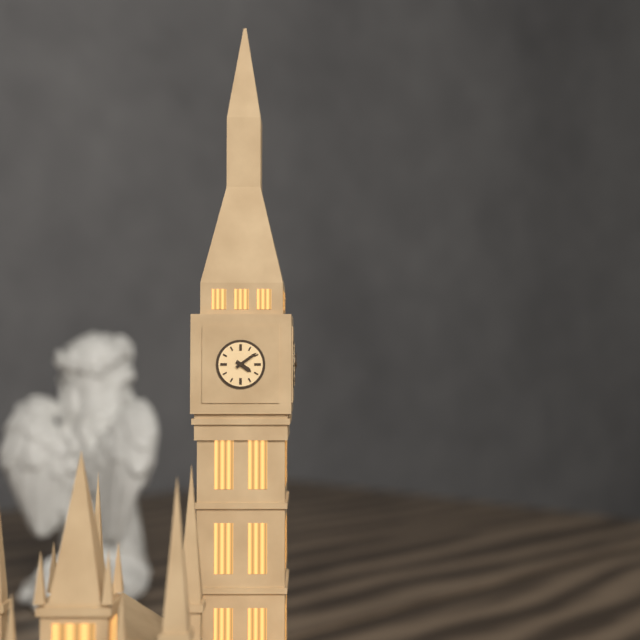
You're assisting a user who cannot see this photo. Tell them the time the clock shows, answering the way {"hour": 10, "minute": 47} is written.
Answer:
{"hour": 4, "minute": 9}
